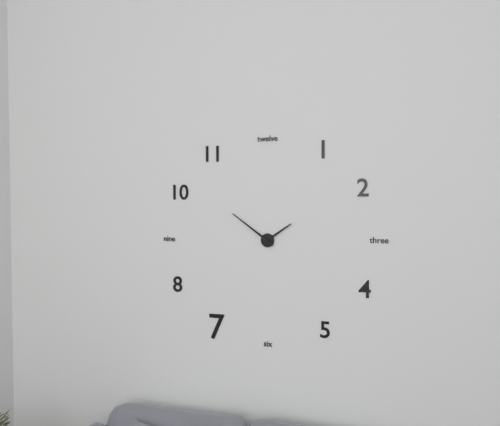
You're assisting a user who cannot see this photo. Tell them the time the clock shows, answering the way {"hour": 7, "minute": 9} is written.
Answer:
{"hour": 1, "minute": 51}
